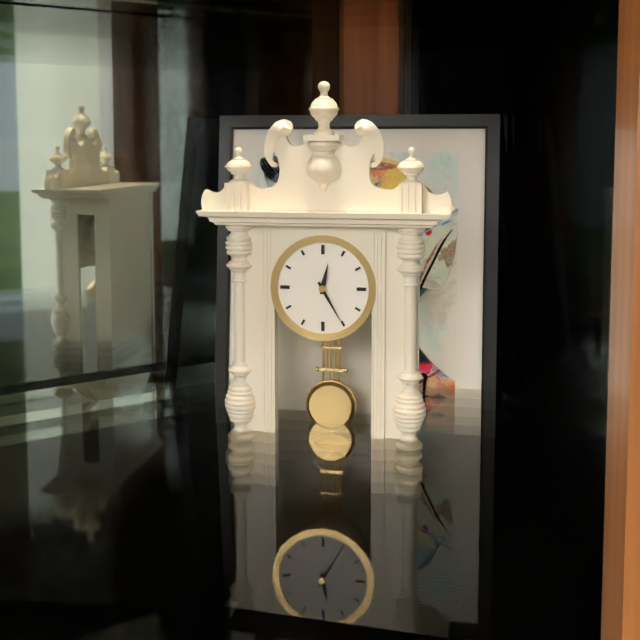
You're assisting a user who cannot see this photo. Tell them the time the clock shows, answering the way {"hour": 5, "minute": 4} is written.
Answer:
{"hour": 12, "minute": 25}
